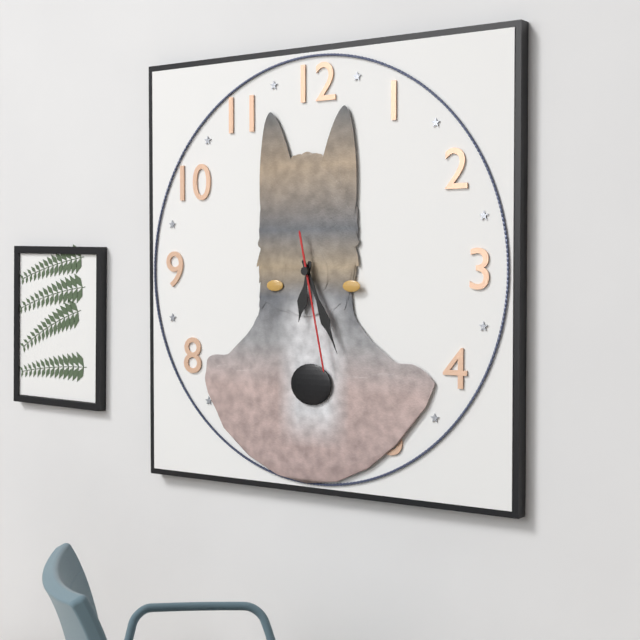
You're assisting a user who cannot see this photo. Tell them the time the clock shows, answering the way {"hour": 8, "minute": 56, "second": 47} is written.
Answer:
{"hour": 6, "minute": 26, "second": 28}
